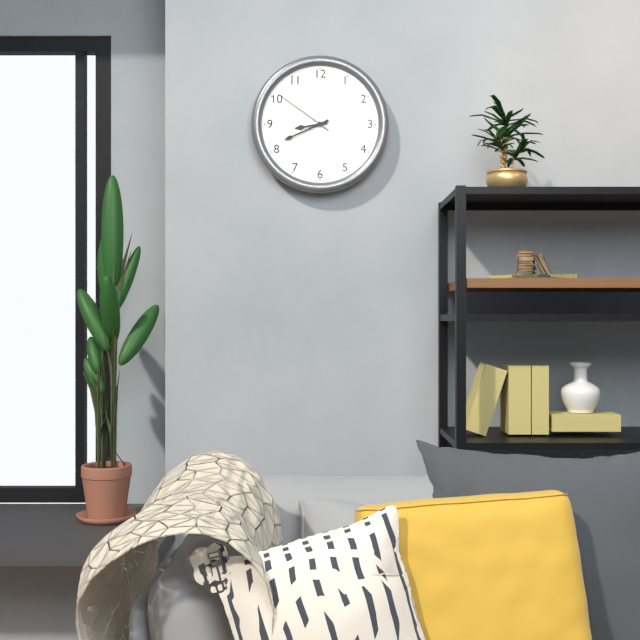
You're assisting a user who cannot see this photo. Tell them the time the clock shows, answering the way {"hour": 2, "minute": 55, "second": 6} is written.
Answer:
{"hour": 8, "minute": 41, "second": 51}
